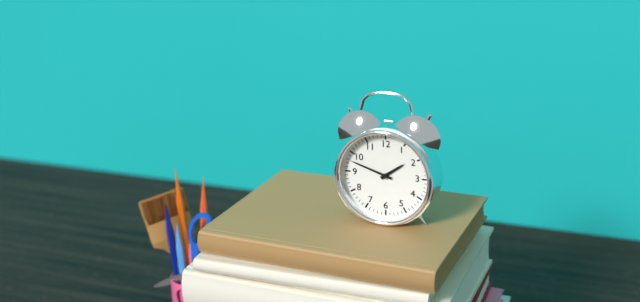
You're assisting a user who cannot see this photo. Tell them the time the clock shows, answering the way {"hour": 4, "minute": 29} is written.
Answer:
{"hour": 1, "minute": 48}
